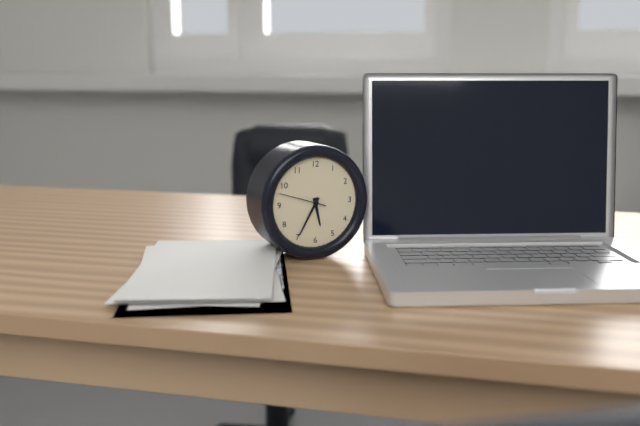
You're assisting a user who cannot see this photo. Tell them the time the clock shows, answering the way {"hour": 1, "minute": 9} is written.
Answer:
{"hour": 5, "minute": 35}
